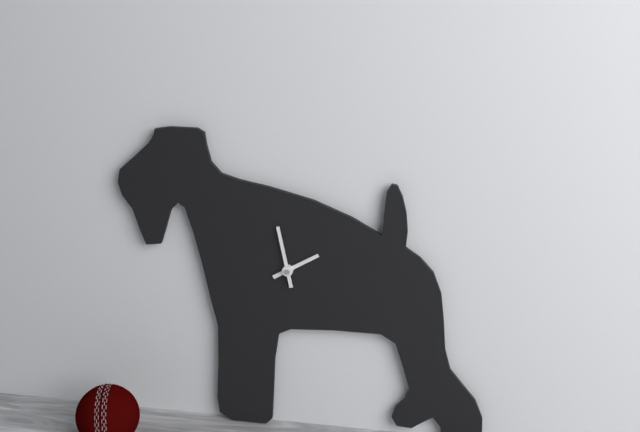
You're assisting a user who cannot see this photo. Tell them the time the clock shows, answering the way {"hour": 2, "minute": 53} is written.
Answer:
{"hour": 1, "minute": 58}
